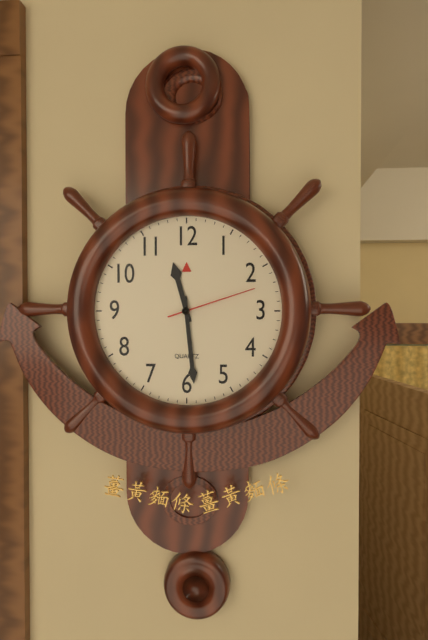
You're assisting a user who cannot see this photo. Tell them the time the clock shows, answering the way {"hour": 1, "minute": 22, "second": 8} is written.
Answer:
{"hour": 11, "minute": 29, "second": 12}
